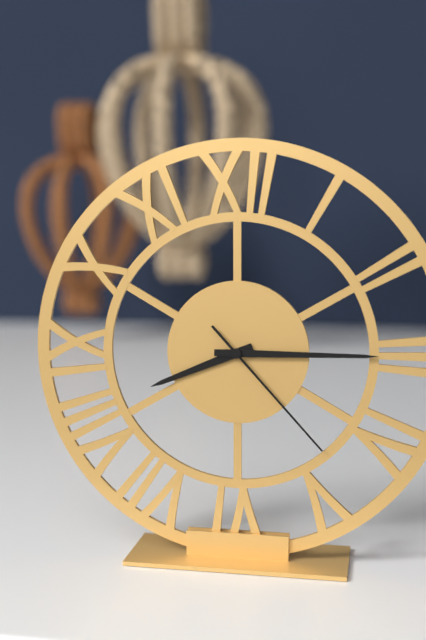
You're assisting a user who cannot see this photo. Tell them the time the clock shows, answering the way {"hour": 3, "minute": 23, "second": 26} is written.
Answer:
{"hour": 8, "minute": 15, "second": 23}
